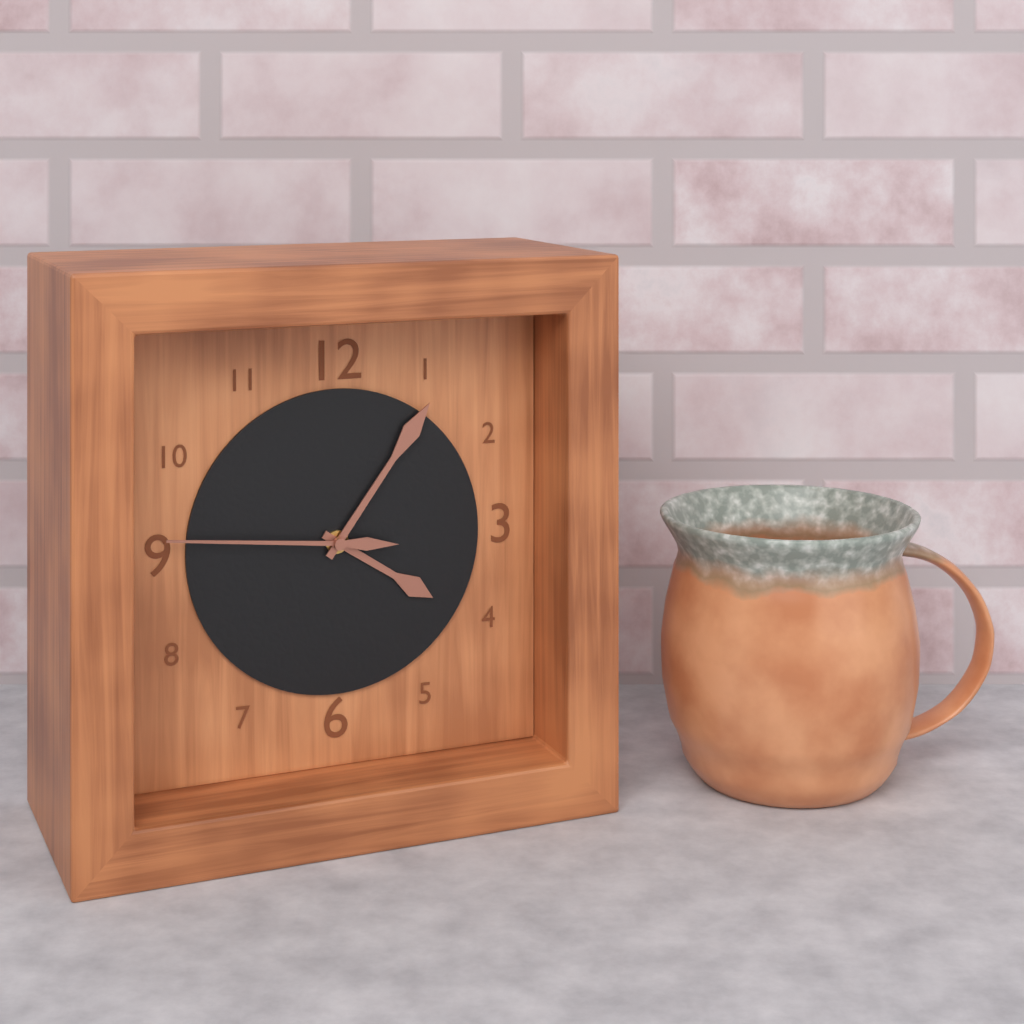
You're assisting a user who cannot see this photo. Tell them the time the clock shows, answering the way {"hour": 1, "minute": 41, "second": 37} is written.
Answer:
{"hour": 4, "minute": 6, "second": 46}
